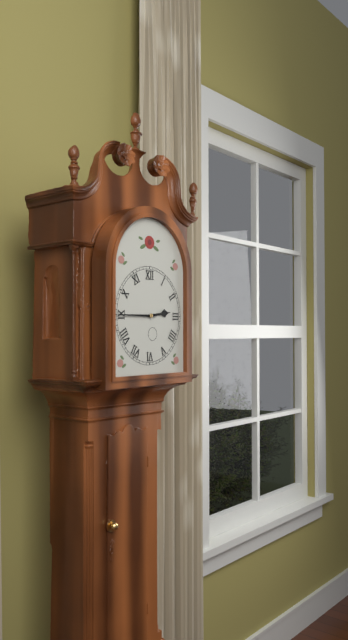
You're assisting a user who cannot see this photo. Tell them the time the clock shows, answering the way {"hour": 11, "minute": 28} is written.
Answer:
{"hour": 2, "minute": 45}
